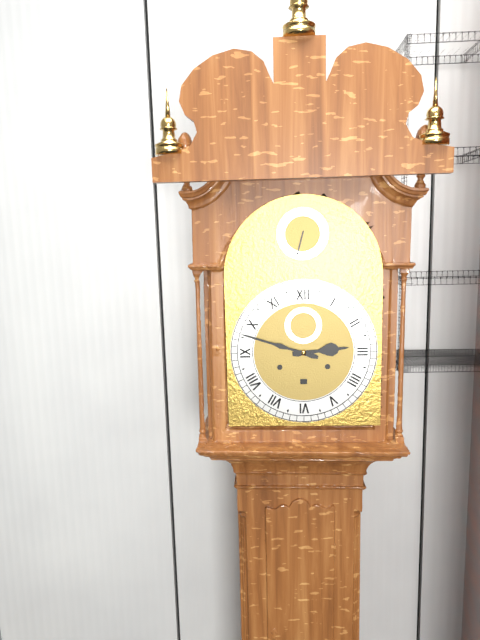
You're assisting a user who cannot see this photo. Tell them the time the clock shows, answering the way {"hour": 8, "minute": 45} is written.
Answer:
{"hour": 2, "minute": 48}
